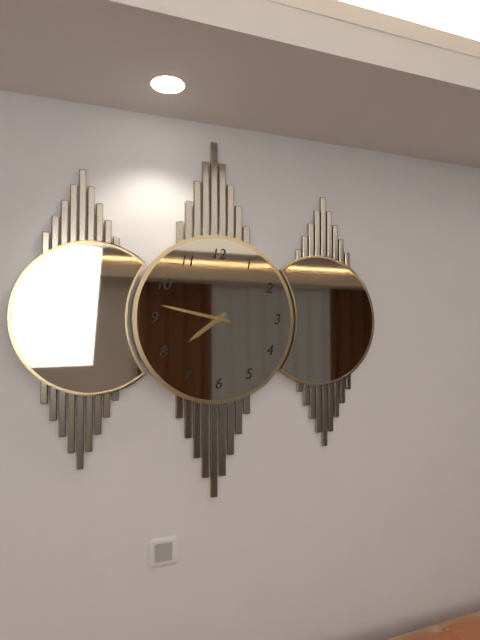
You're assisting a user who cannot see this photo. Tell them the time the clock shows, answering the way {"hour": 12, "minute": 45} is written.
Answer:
{"hour": 7, "minute": 47}
